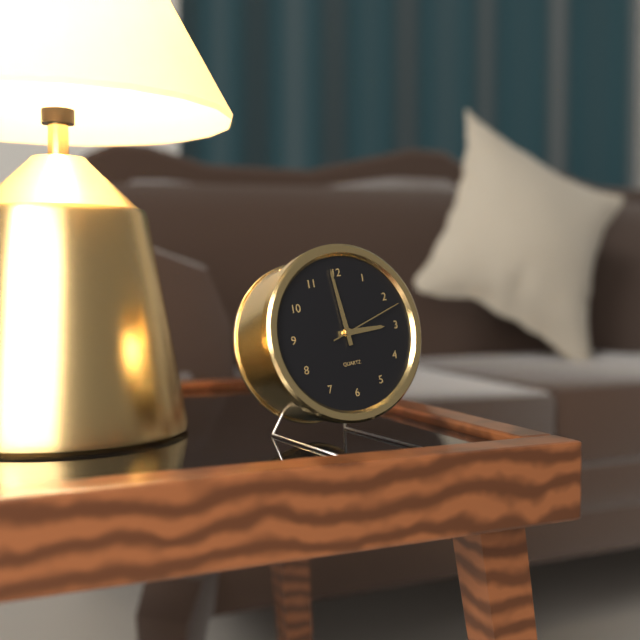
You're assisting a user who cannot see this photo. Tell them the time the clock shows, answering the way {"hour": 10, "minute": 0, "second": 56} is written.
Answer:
{"hour": 2, "minute": 59, "second": 12}
